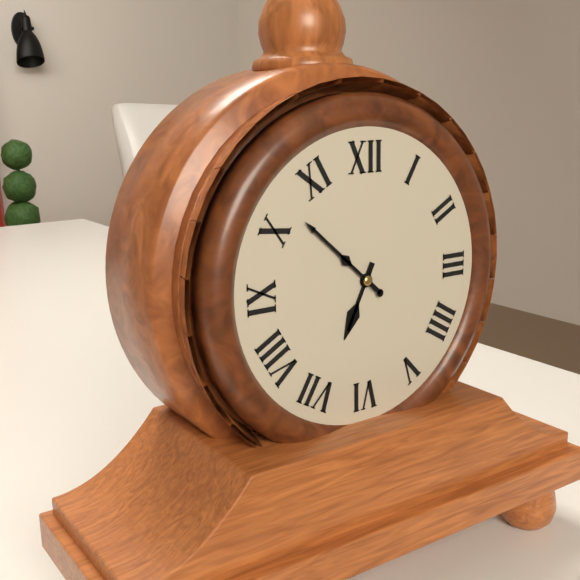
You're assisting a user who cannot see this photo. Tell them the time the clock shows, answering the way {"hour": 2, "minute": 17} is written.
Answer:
{"hour": 6, "minute": 52}
